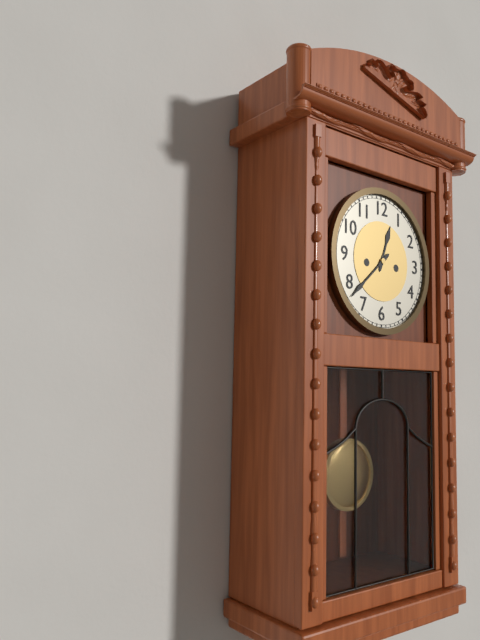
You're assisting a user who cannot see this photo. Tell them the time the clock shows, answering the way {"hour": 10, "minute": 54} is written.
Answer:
{"hour": 12, "minute": 38}
